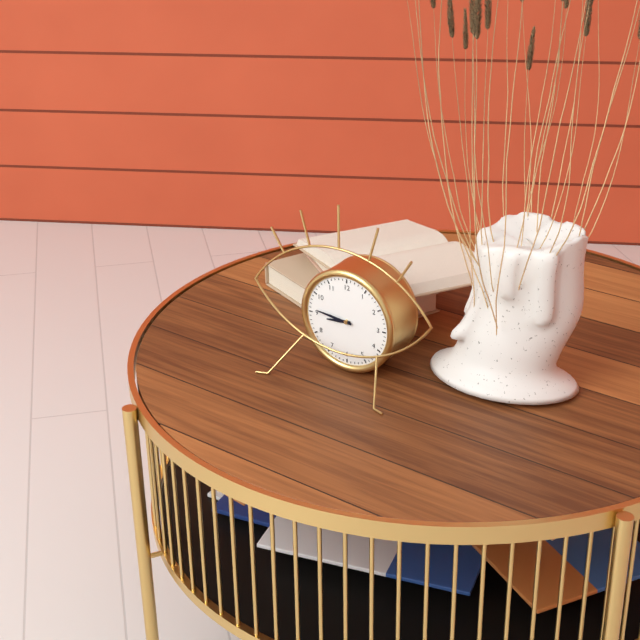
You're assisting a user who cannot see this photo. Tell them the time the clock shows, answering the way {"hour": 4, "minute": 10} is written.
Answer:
{"hour": 8, "minute": 46}
